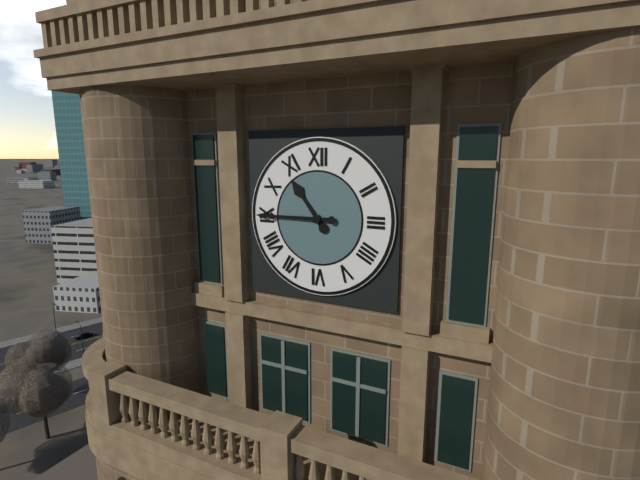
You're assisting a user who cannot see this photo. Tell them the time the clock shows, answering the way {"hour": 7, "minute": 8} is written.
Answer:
{"hour": 10, "minute": 45}
